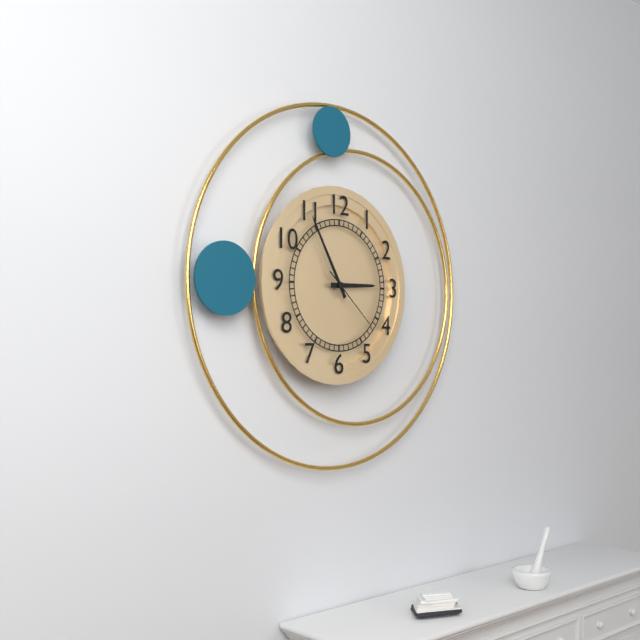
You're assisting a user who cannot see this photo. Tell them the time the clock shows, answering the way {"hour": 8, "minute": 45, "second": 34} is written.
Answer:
{"hour": 2, "minute": 55, "second": 22}
